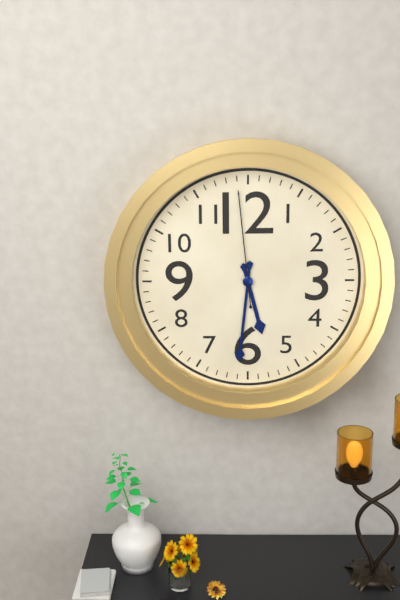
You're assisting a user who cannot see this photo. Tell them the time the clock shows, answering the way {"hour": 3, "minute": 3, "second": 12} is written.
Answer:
{"hour": 5, "minute": 31, "second": 59}
